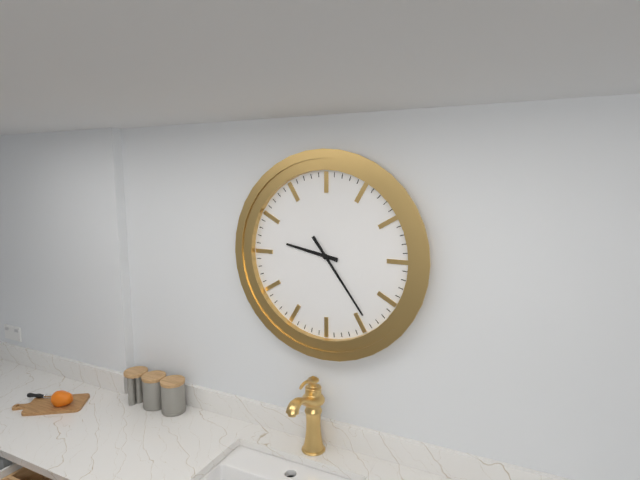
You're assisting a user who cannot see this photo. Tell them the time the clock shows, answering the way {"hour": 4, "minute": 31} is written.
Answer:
{"hour": 9, "minute": 24}
